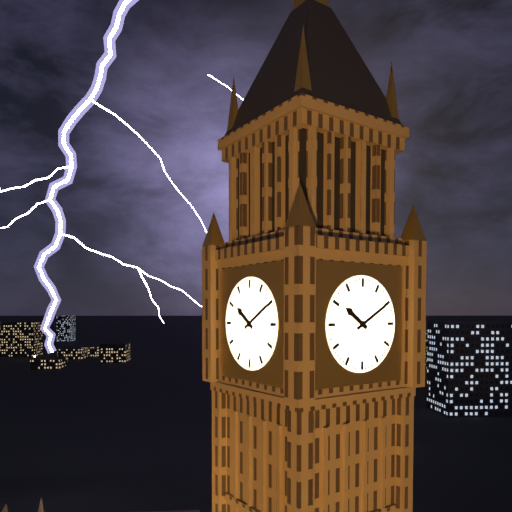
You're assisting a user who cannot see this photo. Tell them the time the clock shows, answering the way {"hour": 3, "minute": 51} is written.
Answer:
{"hour": 10, "minute": 10}
